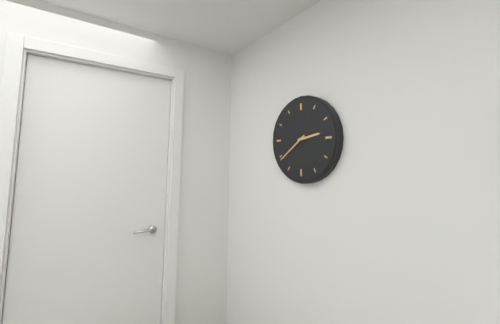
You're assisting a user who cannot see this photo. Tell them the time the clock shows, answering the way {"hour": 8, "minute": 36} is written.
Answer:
{"hour": 2, "minute": 39}
